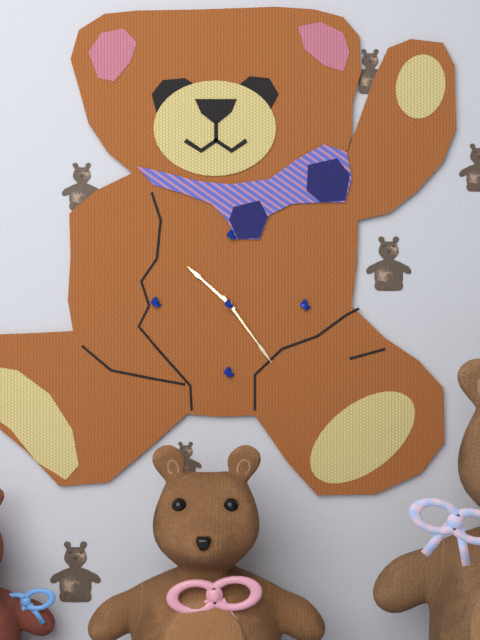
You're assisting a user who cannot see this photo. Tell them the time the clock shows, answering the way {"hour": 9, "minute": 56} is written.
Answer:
{"hour": 10, "minute": 24}
